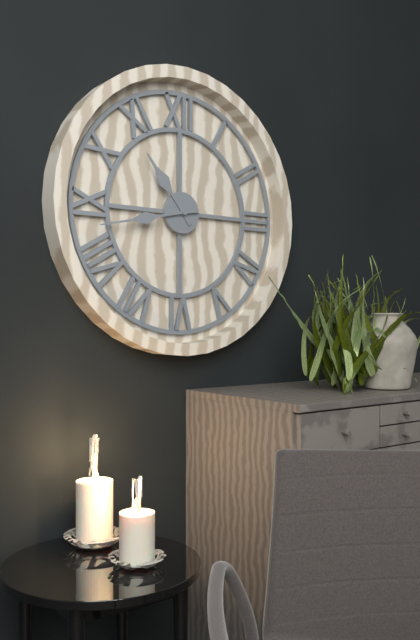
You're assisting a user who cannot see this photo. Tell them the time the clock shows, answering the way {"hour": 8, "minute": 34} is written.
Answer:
{"hour": 10, "minute": 43}
